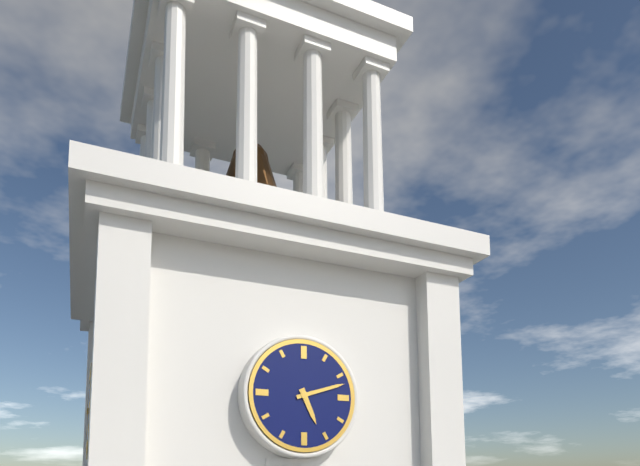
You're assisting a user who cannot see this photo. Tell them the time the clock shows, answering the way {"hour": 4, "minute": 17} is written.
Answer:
{"hour": 5, "minute": 12}
